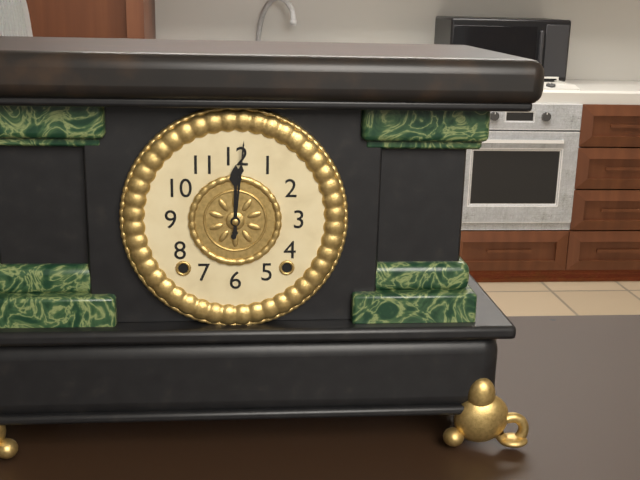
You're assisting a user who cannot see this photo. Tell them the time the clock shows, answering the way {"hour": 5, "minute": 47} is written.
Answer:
{"hour": 12, "minute": 1}
